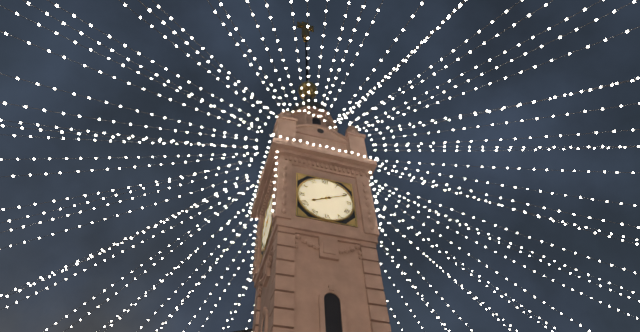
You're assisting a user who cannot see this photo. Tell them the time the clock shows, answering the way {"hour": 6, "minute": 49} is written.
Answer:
{"hour": 8, "minute": 11}
